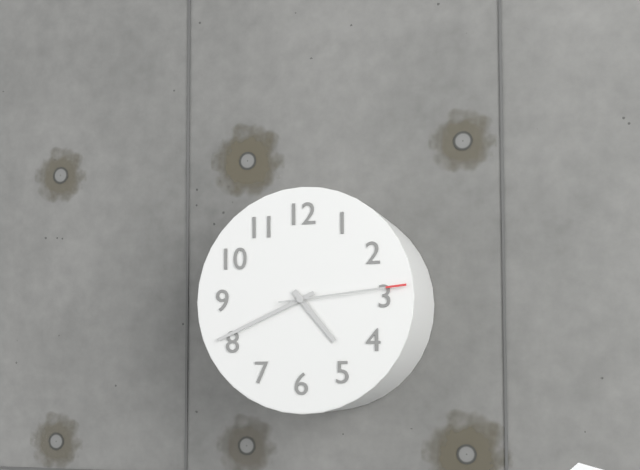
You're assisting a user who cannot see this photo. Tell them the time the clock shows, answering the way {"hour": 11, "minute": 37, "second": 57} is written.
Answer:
{"hour": 4, "minute": 41, "second": 14}
